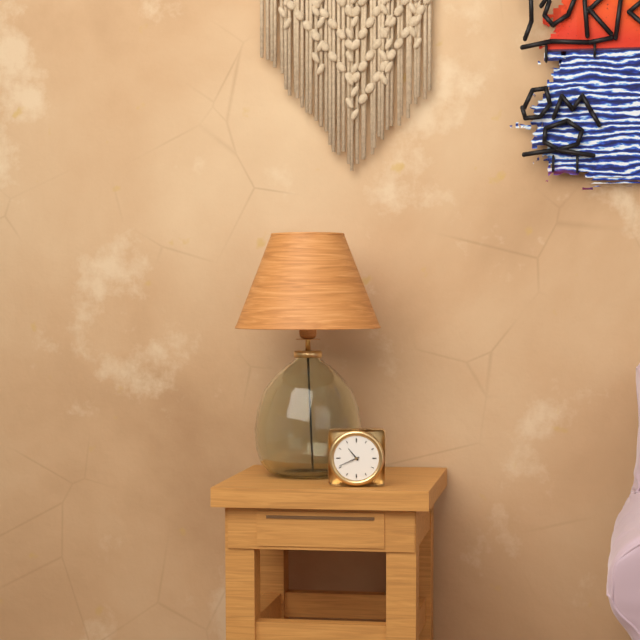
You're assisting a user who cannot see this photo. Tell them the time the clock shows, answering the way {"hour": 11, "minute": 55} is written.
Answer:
{"hour": 10, "minute": 41}
